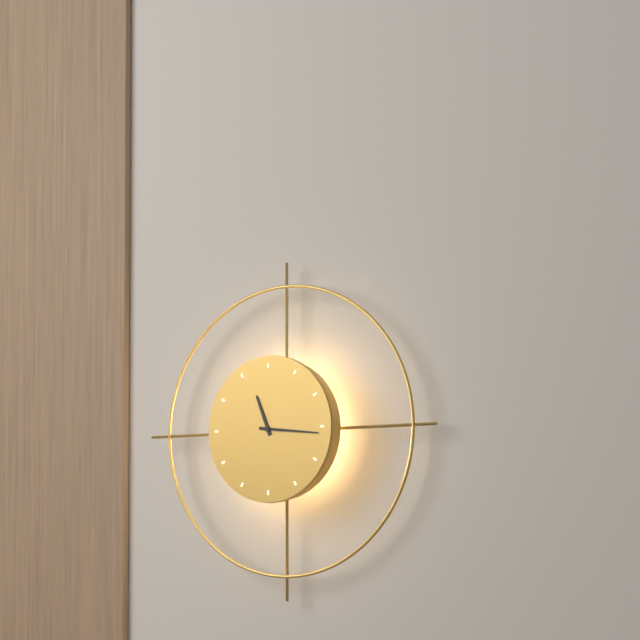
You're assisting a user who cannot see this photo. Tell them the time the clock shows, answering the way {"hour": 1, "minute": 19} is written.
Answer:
{"hour": 11, "minute": 16}
